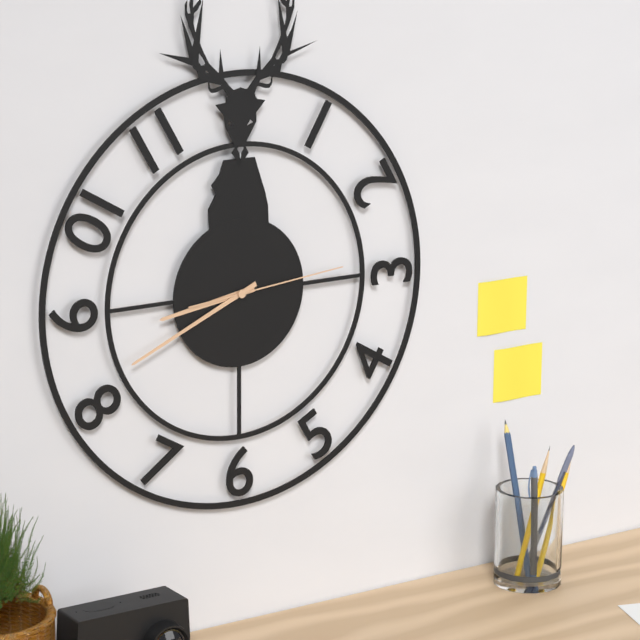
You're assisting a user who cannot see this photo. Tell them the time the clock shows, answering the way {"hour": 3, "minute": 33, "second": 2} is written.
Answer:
{"hour": 8, "minute": 41, "second": 14}
